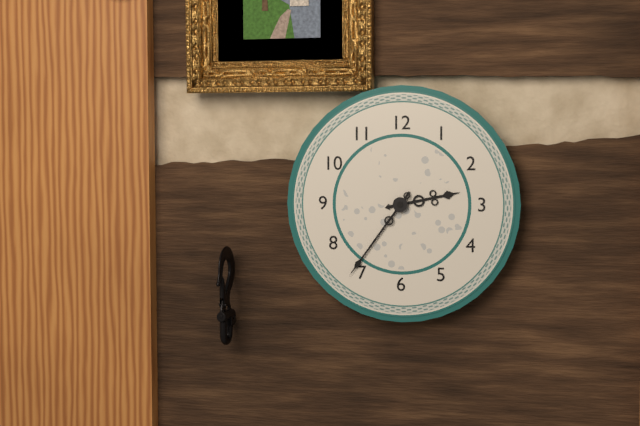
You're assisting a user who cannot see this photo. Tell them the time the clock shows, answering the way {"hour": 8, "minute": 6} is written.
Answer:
{"hour": 2, "minute": 36}
